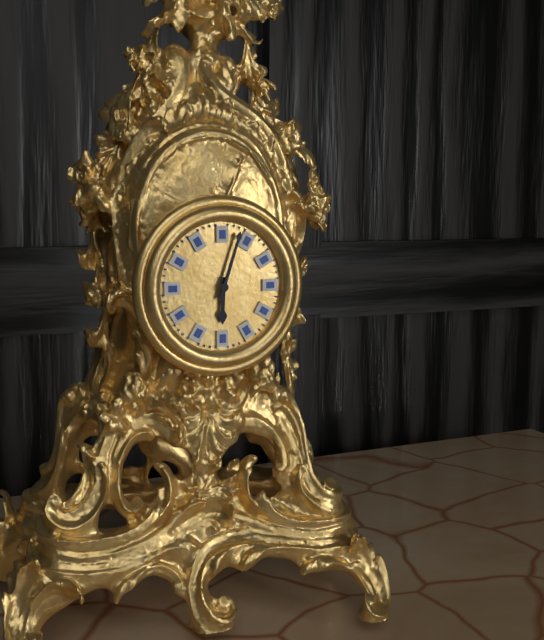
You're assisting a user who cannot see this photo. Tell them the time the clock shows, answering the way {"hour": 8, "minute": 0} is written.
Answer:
{"hour": 6, "minute": 3}
